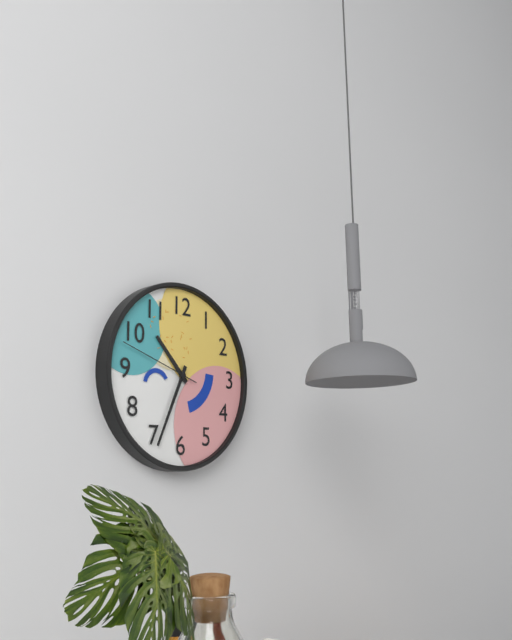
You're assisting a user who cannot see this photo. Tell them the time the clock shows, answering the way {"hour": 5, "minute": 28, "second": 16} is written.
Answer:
{"hour": 10, "minute": 34, "second": 48}
